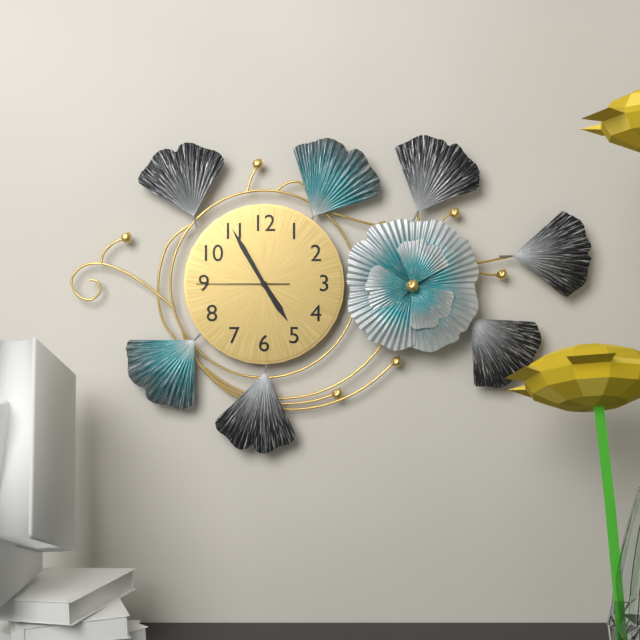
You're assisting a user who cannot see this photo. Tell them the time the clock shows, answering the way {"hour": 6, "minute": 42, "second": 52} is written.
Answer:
{"hour": 4, "minute": 55, "second": 45}
